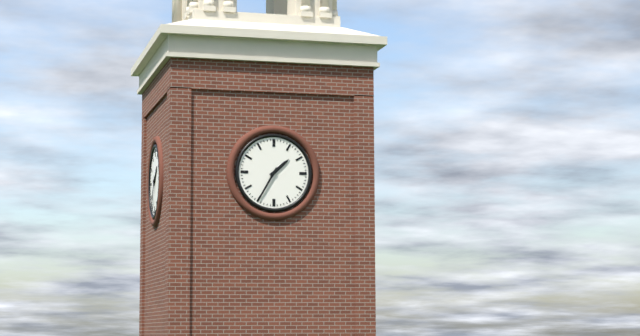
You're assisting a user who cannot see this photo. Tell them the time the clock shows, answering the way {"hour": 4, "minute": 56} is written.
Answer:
{"hour": 1, "minute": 35}
